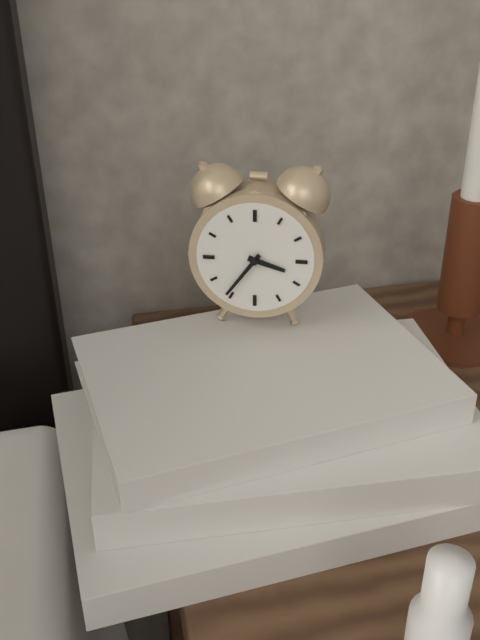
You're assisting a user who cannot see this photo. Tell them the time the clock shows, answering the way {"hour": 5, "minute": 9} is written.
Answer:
{"hour": 3, "minute": 36}
